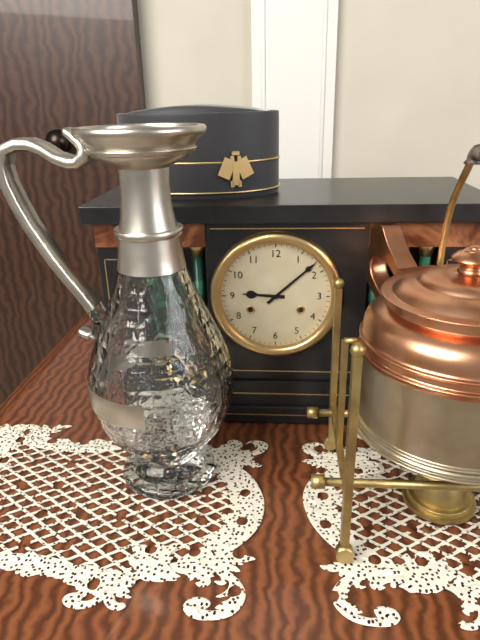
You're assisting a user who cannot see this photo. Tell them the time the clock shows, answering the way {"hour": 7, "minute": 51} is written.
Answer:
{"hour": 9, "minute": 8}
